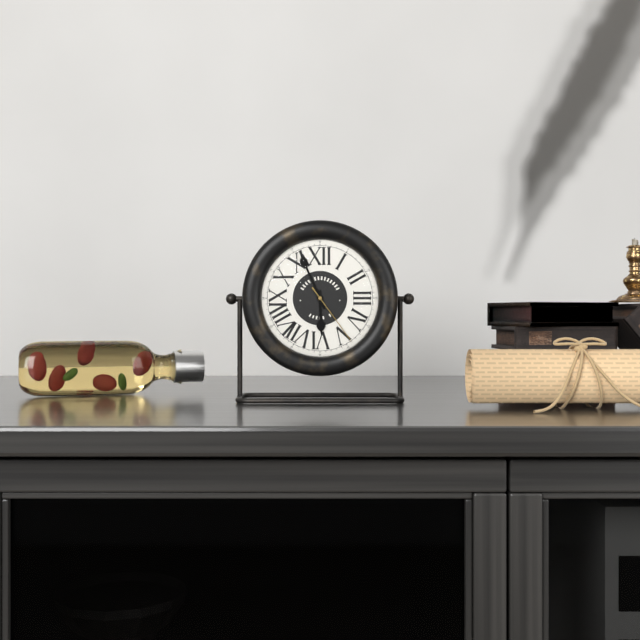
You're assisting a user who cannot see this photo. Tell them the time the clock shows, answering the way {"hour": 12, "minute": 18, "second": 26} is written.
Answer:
{"hour": 5, "minute": 56, "second": 24}
